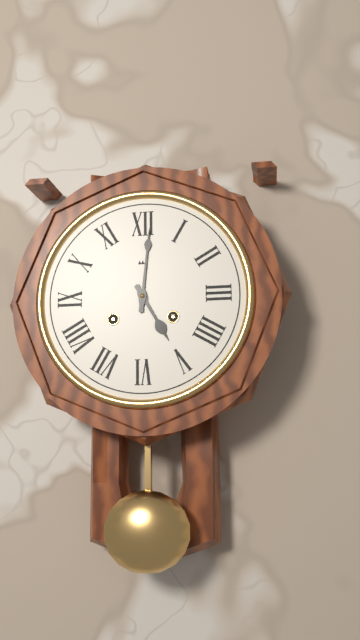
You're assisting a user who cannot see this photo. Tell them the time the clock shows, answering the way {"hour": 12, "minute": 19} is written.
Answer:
{"hour": 5, "minute": 1}
